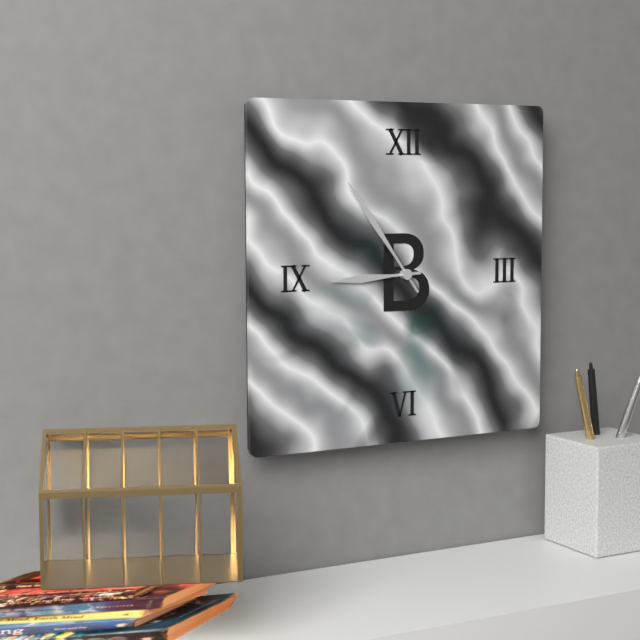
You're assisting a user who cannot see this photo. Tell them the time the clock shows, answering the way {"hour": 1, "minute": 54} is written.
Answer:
{"hour": 8, "minute": 54}
